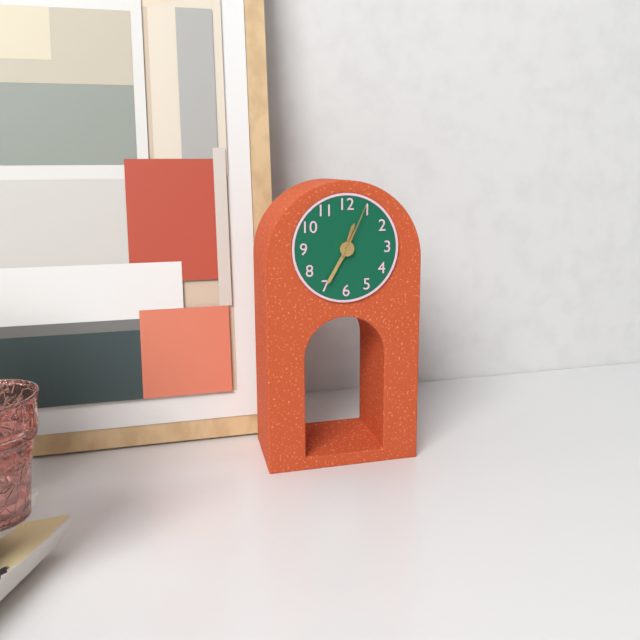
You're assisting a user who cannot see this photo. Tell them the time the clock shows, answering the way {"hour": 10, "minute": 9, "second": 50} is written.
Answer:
{"hour": 12, "minute": 35, "second": 4}
